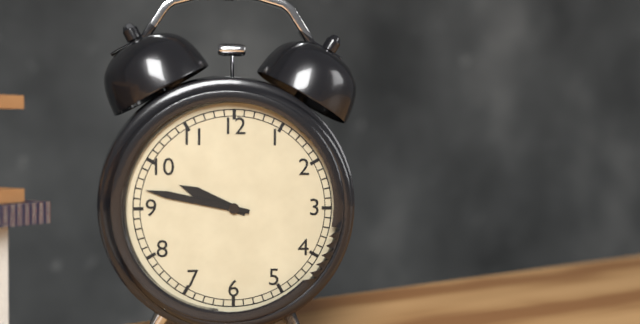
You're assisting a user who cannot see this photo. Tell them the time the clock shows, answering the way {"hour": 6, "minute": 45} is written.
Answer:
{"hour": 9, "minute": 47}
